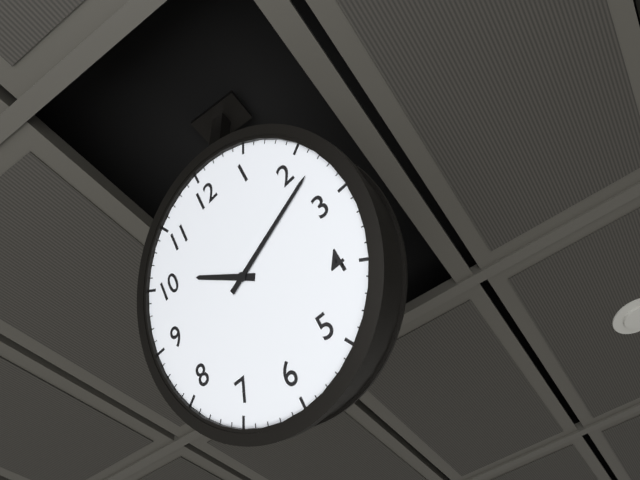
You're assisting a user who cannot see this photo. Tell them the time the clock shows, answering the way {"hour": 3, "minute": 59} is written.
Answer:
{"hour": 10, "minute": 12}
